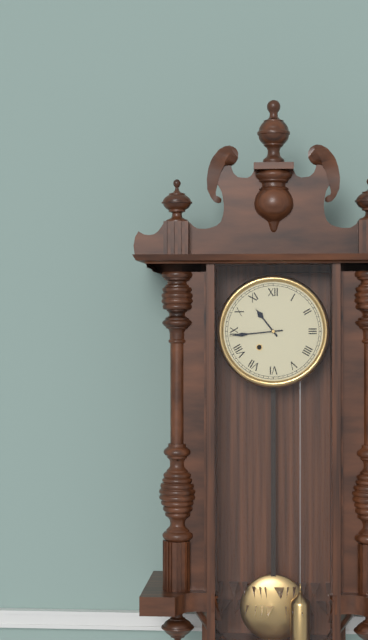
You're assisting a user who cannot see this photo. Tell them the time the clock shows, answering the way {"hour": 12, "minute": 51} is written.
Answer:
{"hour": 10, "minute": 44}
